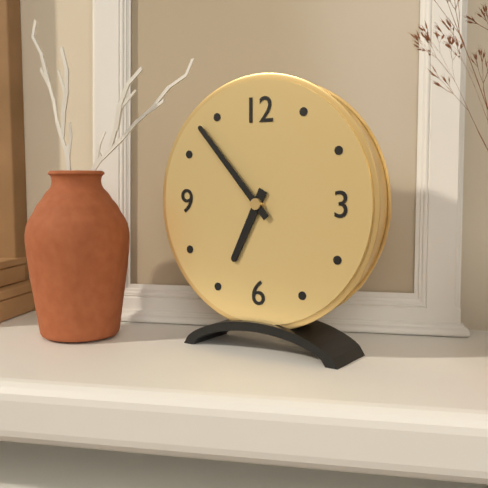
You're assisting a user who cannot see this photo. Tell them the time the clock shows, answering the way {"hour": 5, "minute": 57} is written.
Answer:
{"hour": 6, "minute": 53}
